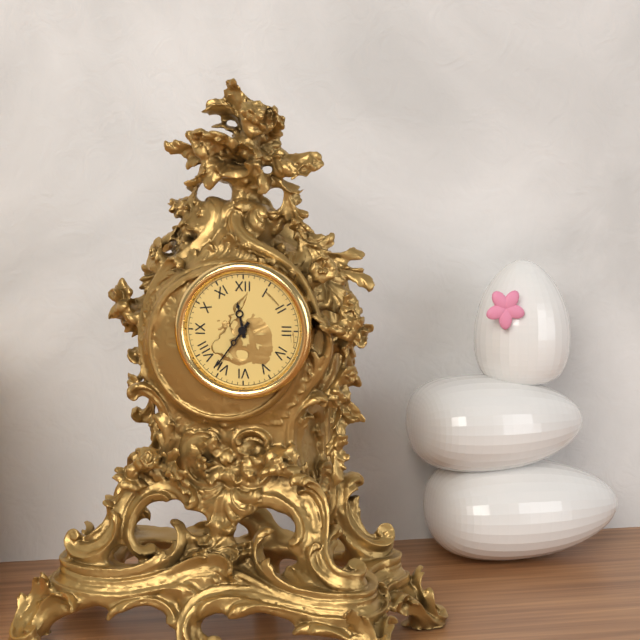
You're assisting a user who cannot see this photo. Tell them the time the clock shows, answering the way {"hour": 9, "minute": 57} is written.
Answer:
{"hour": 11, "minute": 36}
